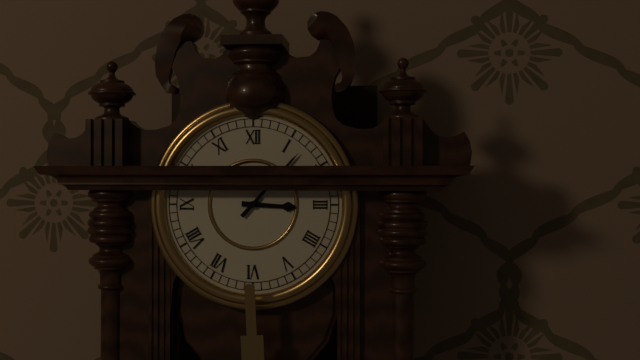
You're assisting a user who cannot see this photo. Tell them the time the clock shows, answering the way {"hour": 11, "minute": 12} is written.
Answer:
{"hour": 3, "minute": 7}
